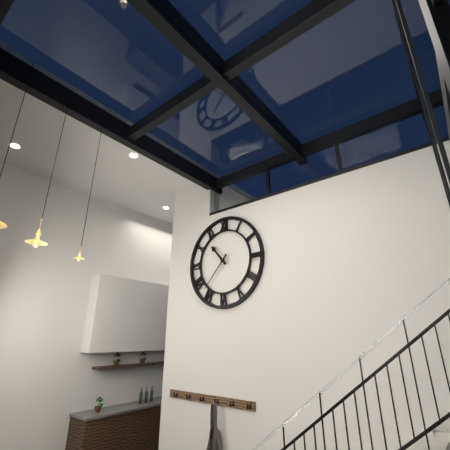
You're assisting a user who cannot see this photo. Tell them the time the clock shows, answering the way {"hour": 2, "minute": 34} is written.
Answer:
{"hour": 10, "minute": 37}
